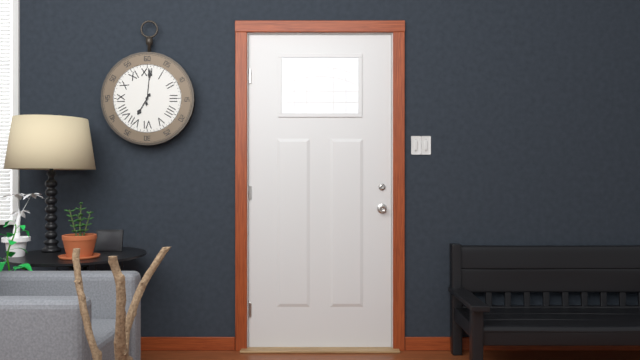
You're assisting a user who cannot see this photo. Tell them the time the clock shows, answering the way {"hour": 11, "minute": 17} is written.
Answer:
{"hour": 7, "minute": 1}
